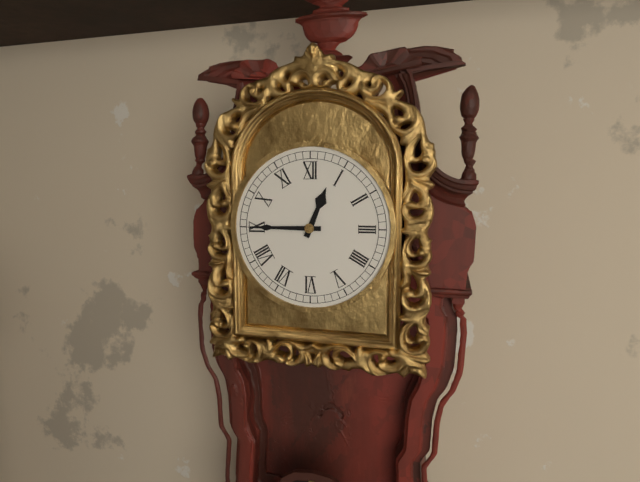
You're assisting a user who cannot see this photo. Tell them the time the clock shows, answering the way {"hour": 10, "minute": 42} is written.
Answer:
{"hour": 12, "minute": 45}
